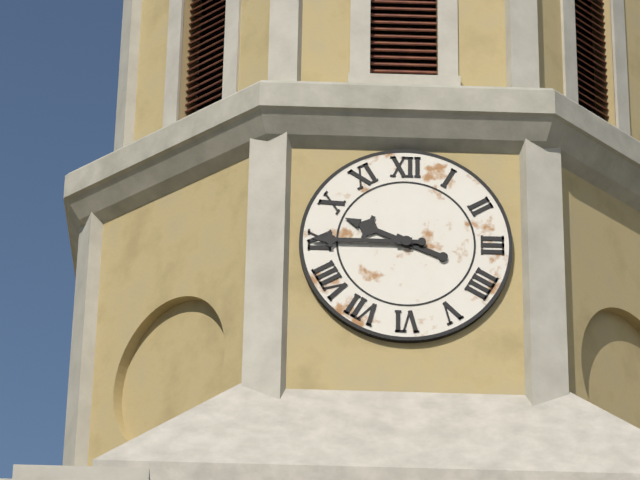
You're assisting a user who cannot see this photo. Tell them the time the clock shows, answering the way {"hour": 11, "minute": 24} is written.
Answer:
{"hour": 9, "minute": 45}
